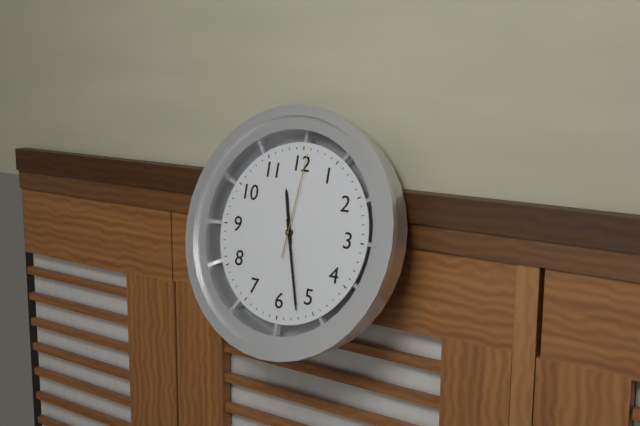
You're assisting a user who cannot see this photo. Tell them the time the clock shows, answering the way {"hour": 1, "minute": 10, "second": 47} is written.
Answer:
{"hour": 11, "minute": 27, "second": 1}
